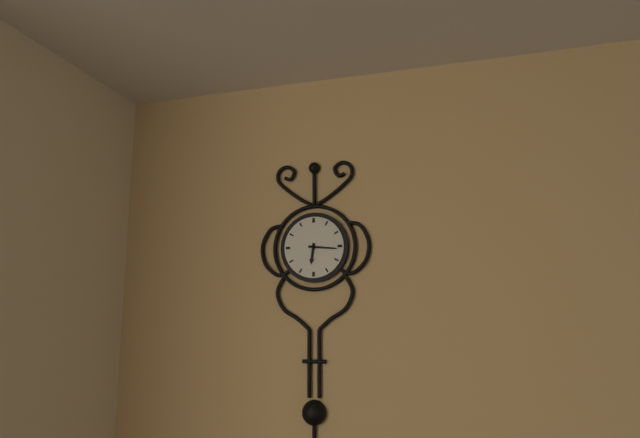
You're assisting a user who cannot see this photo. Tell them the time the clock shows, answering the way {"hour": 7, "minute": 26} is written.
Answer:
{"hour": 6, "minute": 16}
